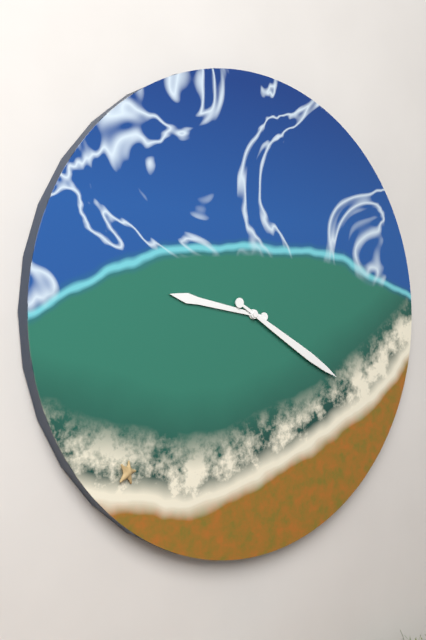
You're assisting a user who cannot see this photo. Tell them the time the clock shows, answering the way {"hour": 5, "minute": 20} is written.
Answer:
{"hour": 9, "minute": 20}
